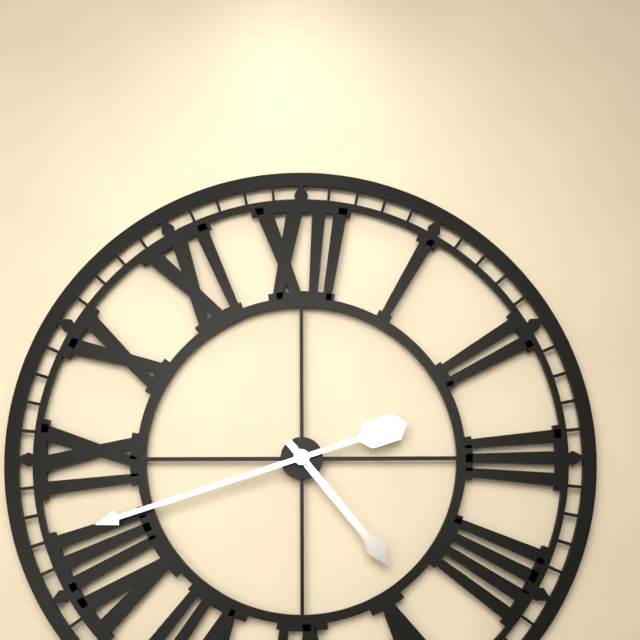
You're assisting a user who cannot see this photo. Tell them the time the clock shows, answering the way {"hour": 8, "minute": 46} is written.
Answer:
{"hour": 4, "minute": 42}
